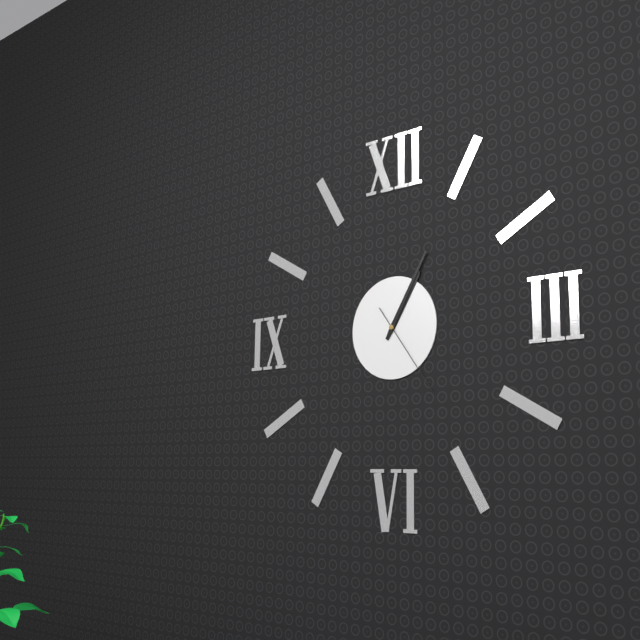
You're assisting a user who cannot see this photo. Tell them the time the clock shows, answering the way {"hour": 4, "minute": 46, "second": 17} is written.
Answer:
{"hour": 1, "minute": 5, "second": 24}
